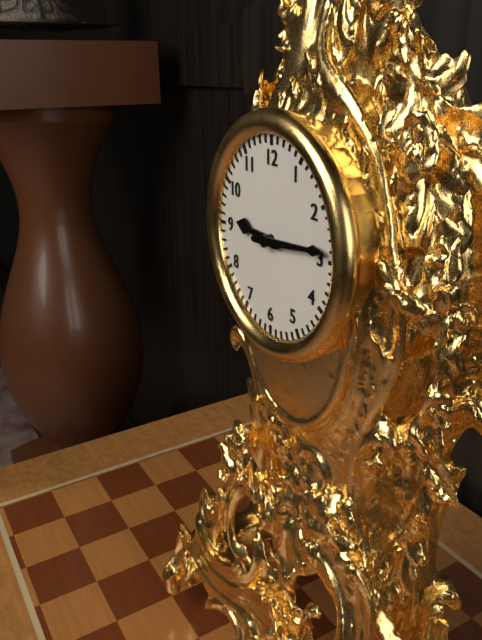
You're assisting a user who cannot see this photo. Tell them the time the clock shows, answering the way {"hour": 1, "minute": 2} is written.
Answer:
{"hour": 9, "minute": 14}
